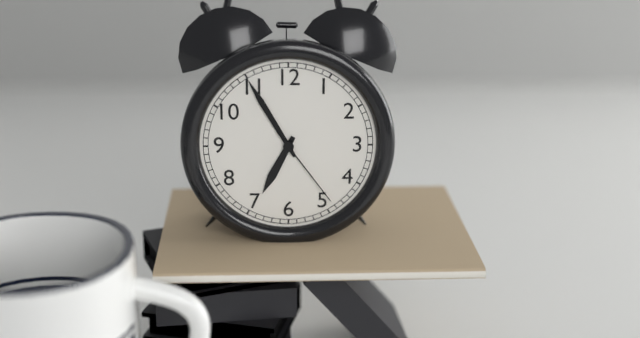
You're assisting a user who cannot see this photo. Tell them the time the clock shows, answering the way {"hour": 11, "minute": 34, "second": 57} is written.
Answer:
{"hour": 6, "minute": 55, "second": 24}
